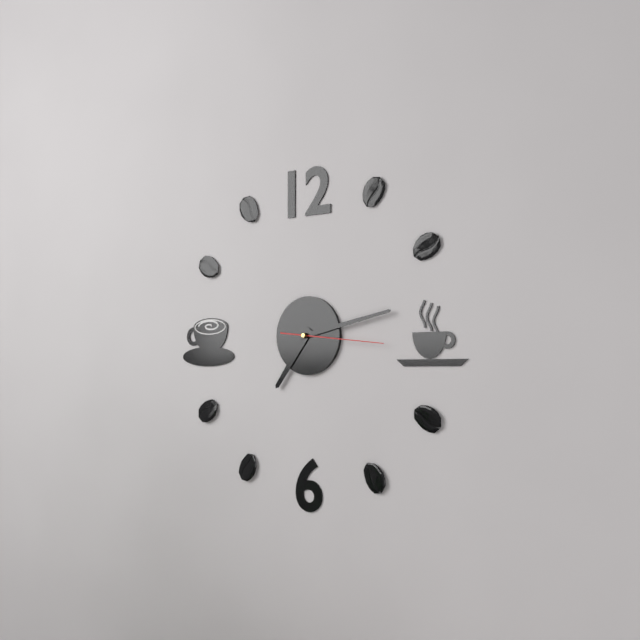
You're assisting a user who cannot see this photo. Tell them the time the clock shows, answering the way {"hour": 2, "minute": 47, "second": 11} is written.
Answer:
{"hour": 7, "minute": 13, "second": 16}
